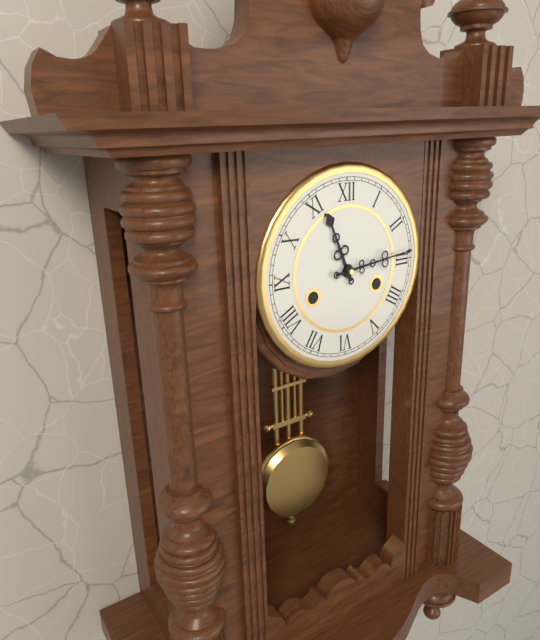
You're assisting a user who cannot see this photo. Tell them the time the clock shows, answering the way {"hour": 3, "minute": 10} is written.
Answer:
{"hour": 11, "minute": 14}
